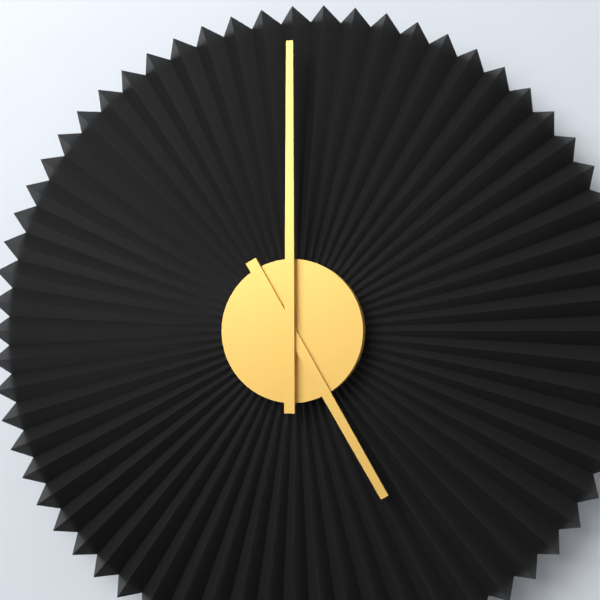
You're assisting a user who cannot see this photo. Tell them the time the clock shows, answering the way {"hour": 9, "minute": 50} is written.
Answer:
{"hour": 5, "minute": 0}
